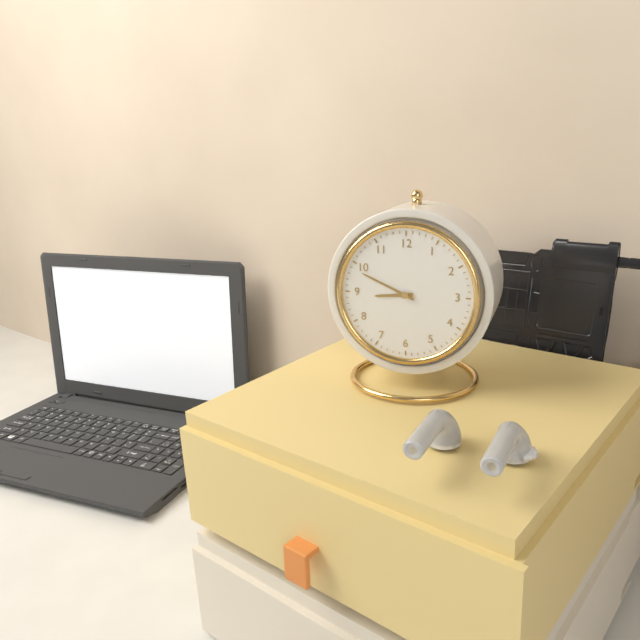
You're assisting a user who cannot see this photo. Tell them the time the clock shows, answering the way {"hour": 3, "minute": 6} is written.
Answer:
{"hour": 8, "minute": 49}
